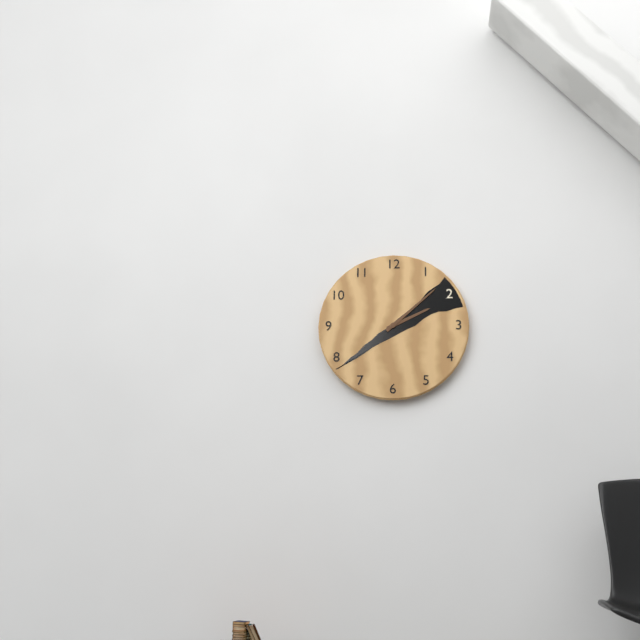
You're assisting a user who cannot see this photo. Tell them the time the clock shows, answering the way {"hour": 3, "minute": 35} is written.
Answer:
{"hour": 2, "minute": 8}
